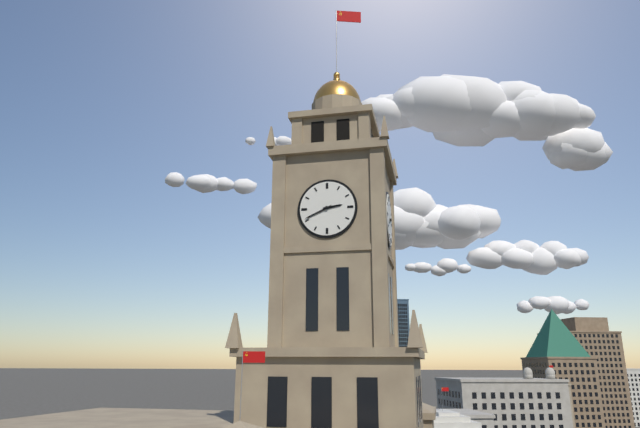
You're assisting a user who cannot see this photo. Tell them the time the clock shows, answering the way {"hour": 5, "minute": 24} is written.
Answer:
{"hour": 2, "minute": 41}
